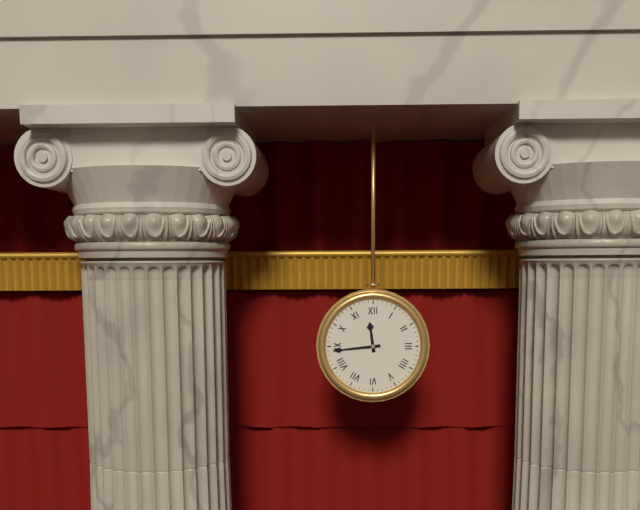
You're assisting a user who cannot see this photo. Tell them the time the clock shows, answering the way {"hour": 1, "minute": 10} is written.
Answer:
{"hour": 11, "minute": 44}
